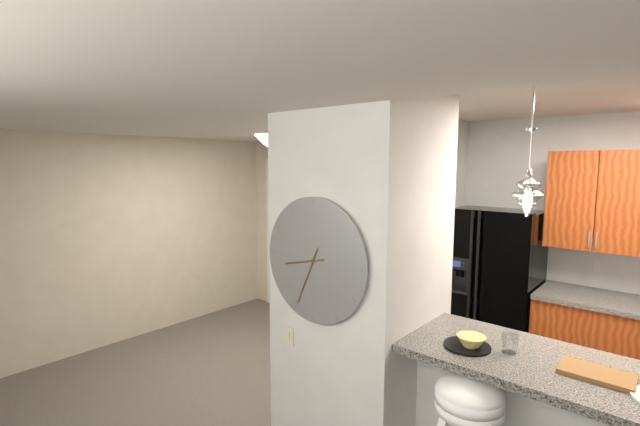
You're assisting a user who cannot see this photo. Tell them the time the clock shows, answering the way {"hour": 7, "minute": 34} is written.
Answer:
{"hour": 8, "minute": 34}
